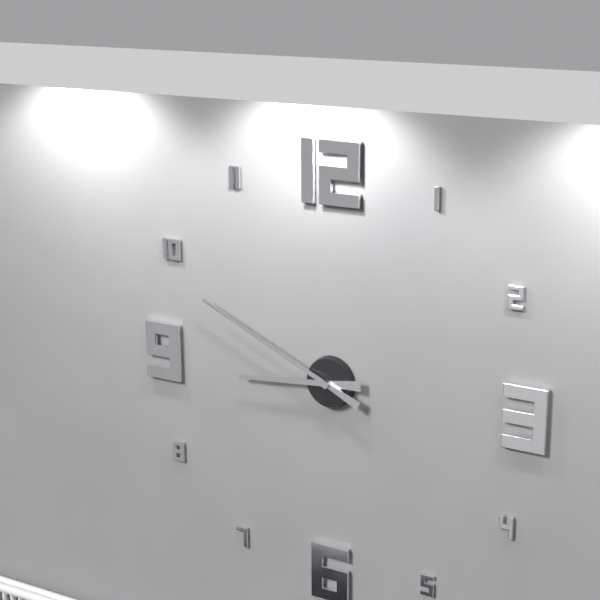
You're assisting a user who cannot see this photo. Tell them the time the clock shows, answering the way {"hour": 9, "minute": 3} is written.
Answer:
{"hour": 8, "minute": 49}
